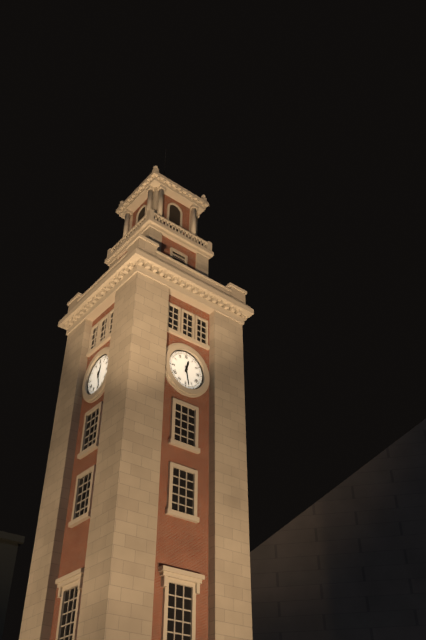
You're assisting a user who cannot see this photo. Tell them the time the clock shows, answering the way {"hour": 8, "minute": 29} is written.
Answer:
{"hour": 12, "minute": 28}
